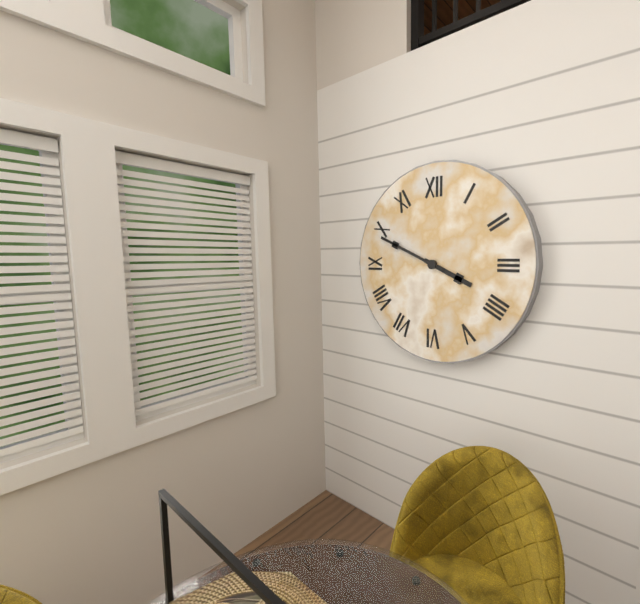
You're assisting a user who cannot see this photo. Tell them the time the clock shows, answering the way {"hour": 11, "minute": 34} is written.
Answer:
{"hour": 3, "minute": 49}
